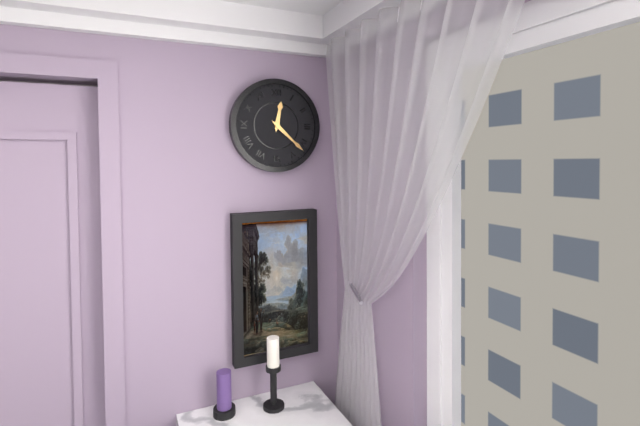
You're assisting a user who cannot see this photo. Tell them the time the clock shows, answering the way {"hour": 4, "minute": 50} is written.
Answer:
{"hour": 12, "minute": 22}
